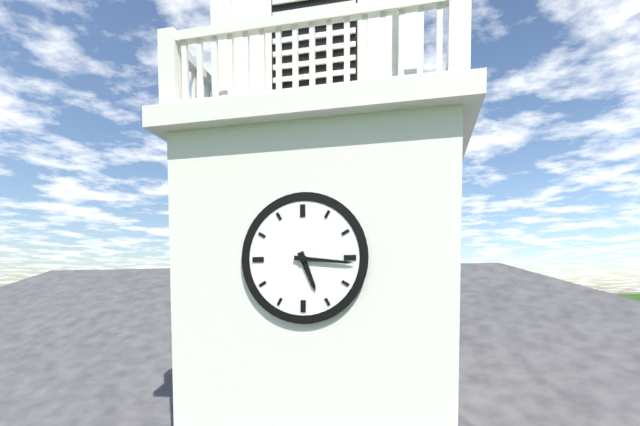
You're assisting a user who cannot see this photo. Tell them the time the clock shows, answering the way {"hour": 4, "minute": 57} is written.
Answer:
{"hour": 5, "minute": 16}
